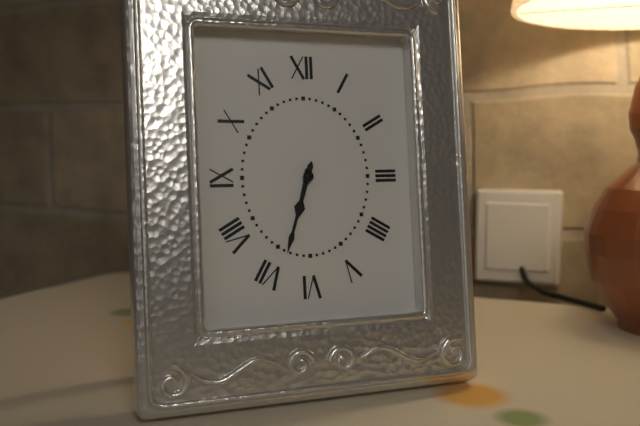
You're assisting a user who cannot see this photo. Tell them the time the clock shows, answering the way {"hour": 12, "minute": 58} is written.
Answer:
{"hour": 6, "minute": 33}
